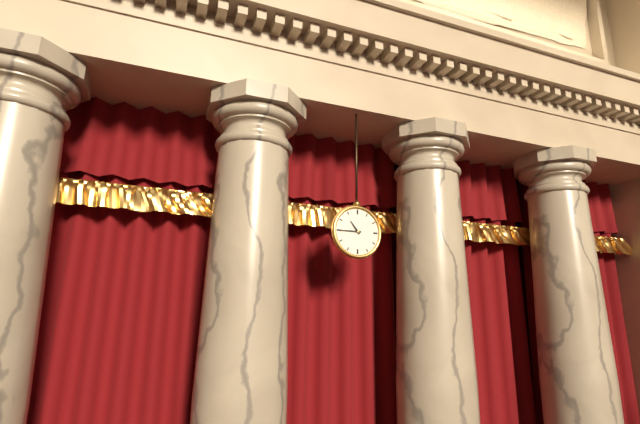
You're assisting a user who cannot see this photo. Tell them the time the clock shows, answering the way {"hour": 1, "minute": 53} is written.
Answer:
{"hour": 10, "minute": 45}
